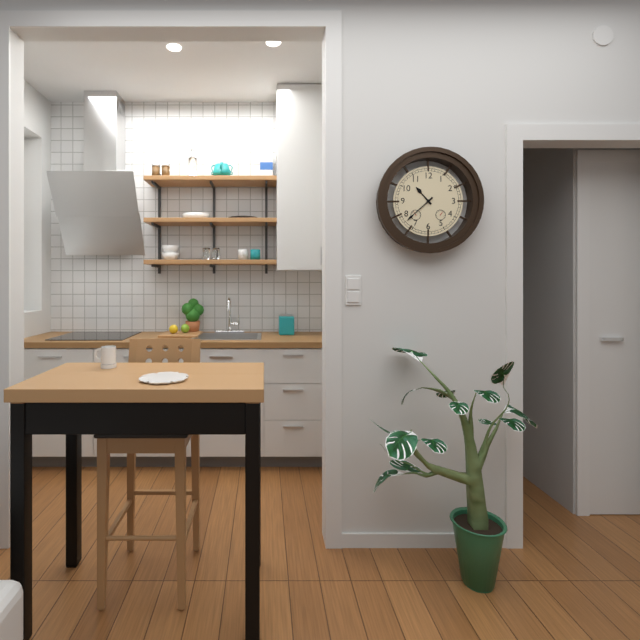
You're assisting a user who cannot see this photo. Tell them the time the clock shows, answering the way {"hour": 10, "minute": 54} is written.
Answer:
{"hour": 10, "minute": 38}
